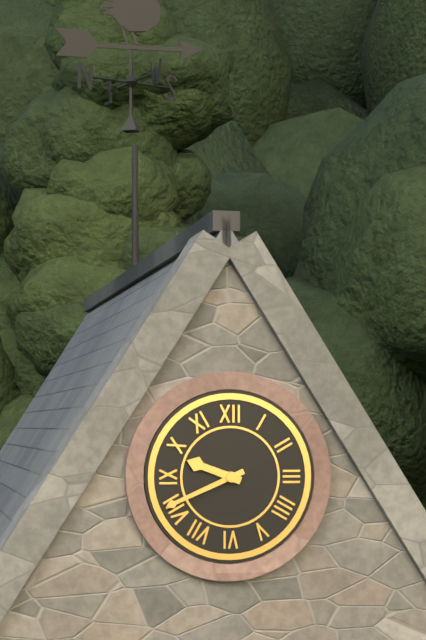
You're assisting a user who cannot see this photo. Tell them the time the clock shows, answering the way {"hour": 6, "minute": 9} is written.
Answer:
{"hour": 9, "minute": 41}
